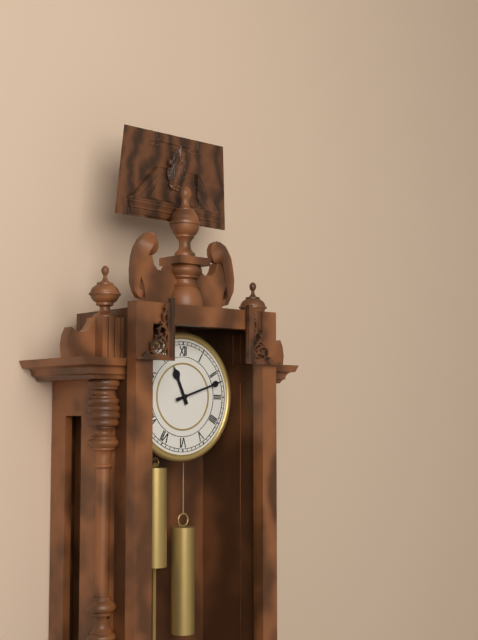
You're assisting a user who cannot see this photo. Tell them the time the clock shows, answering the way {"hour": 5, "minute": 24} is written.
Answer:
{"hour": 11, "minute": 12}
